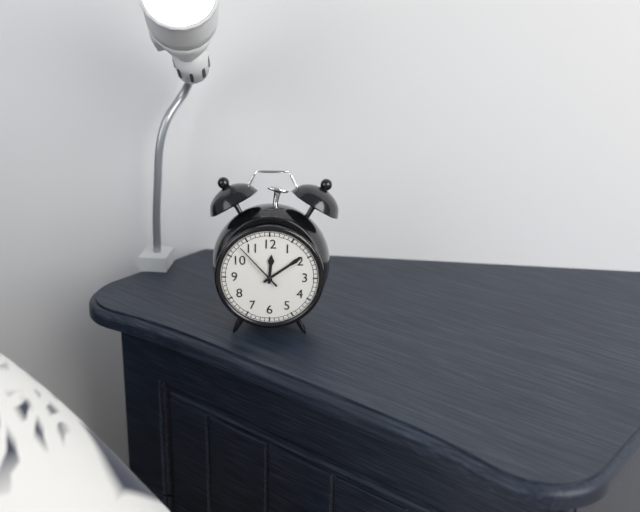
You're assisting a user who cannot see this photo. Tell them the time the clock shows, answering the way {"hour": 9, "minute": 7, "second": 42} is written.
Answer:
{"hour": 12, "minute": 9, "second": 53}
